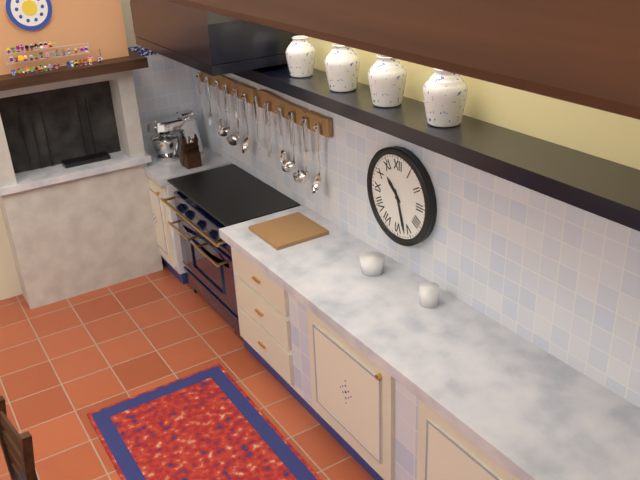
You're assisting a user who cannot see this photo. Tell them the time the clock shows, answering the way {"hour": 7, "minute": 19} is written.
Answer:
{"hour": 10, "minute": 27}
